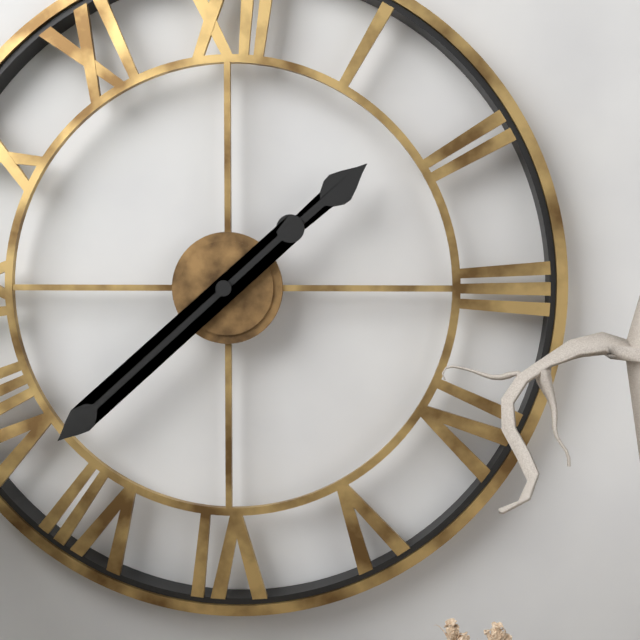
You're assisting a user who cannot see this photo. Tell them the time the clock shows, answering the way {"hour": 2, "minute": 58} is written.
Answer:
{"hour": 1, "minute": 38}
